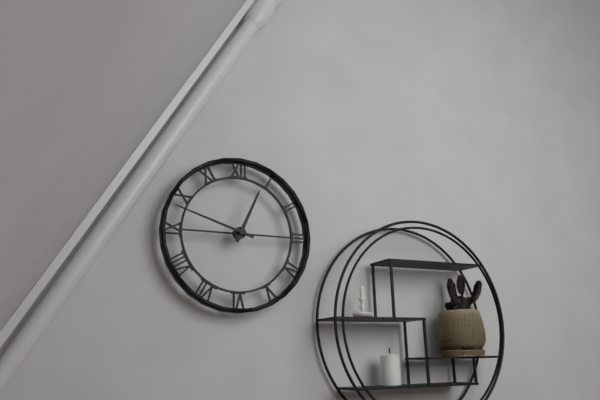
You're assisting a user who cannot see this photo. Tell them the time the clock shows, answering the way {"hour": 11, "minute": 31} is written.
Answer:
{"hour": 12, "minute": 48}
